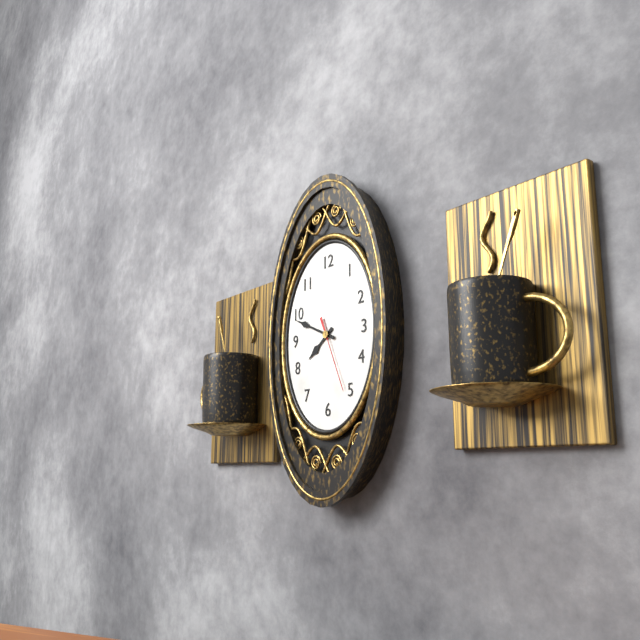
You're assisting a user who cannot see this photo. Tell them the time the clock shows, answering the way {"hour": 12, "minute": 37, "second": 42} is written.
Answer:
{"hour": 7, "minute": 49, "second": 26}
